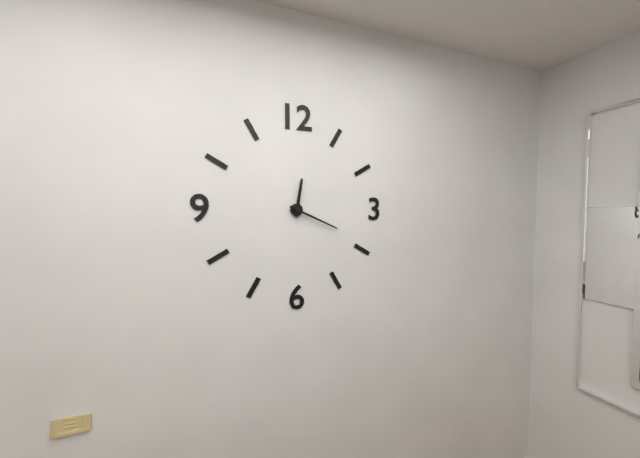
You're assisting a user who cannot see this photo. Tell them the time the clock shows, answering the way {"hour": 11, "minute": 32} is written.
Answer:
{"hour": 12, "minute": 19}
